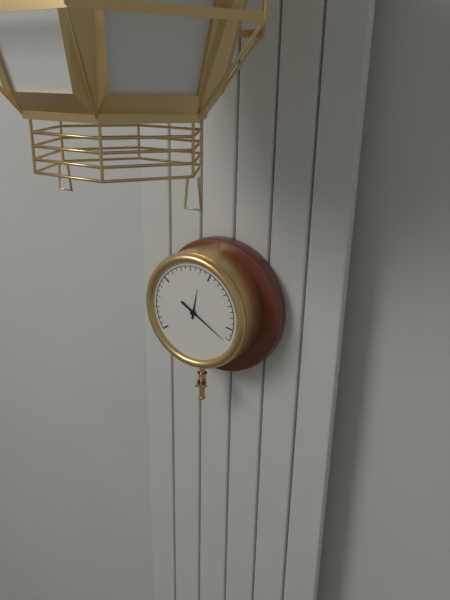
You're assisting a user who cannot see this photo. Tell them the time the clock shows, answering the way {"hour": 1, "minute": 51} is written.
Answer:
{"hour": 12, "minute": 20}
